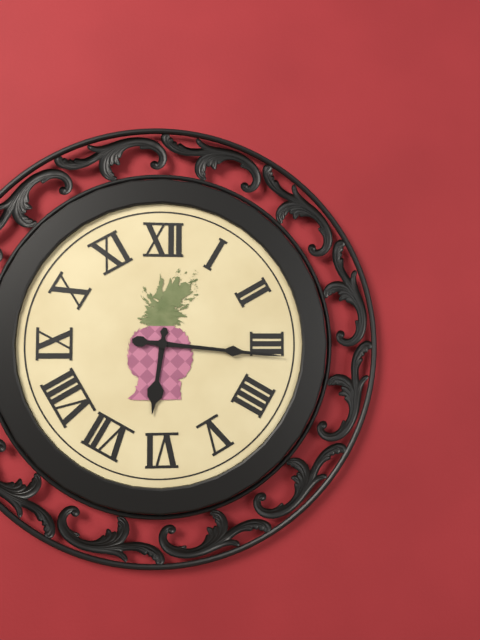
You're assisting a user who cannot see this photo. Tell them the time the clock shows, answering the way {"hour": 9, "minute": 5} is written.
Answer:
{"hour": 6, "minute": 16}
